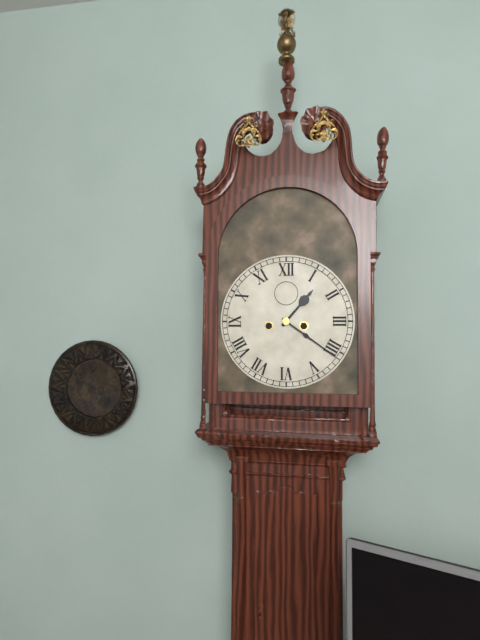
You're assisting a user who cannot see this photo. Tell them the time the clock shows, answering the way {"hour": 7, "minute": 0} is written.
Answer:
{"hour": 1, "minute": 21}
